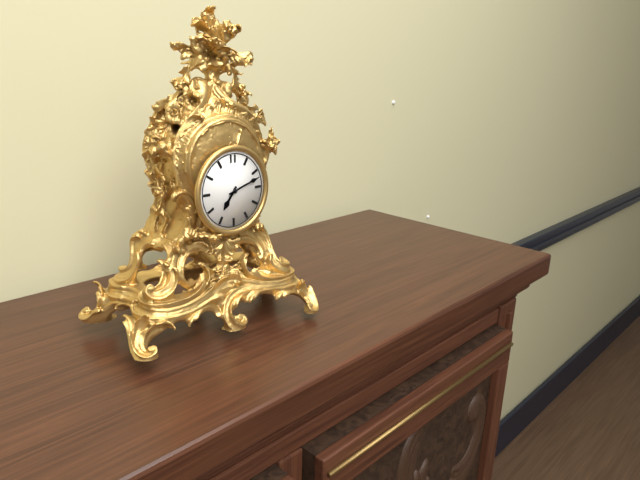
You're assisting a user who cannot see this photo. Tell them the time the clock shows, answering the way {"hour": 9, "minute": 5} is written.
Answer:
{"hour": 7, "minute": 12}
